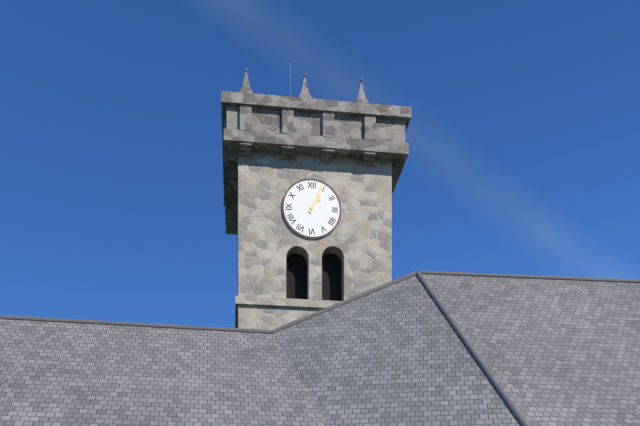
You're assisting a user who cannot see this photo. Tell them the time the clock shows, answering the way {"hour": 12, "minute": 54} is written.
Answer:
{"hour": 1, "minute": 4}
